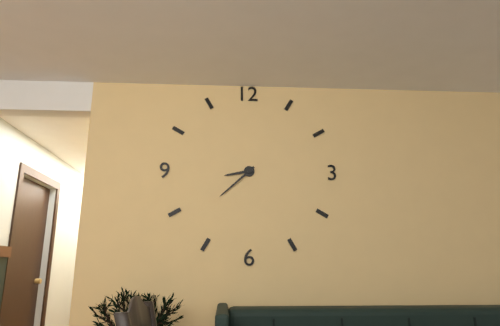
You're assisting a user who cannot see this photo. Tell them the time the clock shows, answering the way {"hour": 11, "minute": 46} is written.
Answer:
{"hour": 8, "minute": 38}
